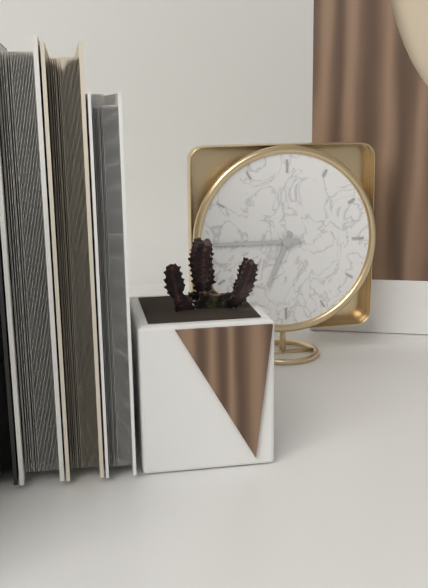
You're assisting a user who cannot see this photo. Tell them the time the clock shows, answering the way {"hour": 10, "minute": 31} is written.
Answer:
{"hour": 6, "minute": 45}
